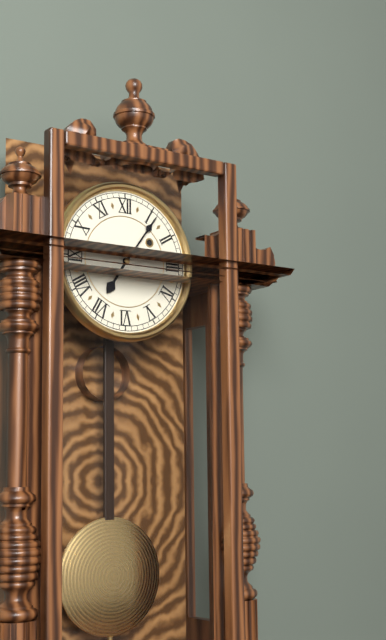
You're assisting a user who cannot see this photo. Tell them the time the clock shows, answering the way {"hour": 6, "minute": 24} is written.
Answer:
{"hour": 7, "minute": 6}
